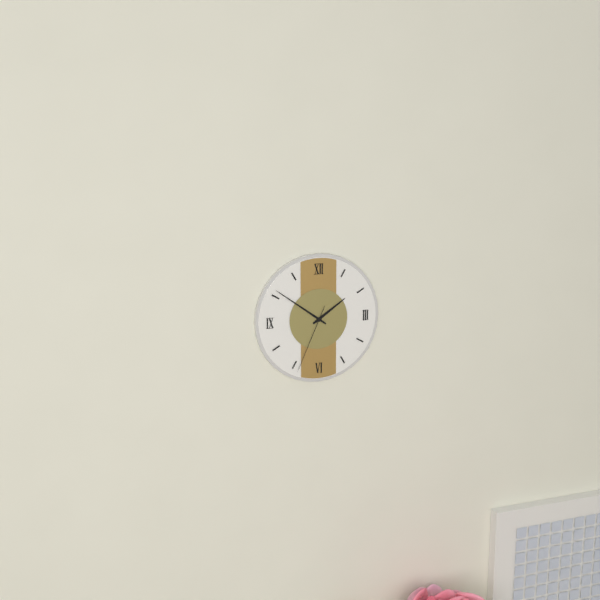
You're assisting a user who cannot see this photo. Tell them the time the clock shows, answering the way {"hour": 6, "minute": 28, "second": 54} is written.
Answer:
{"hour": 1, "minute": 51, "second": 34}
